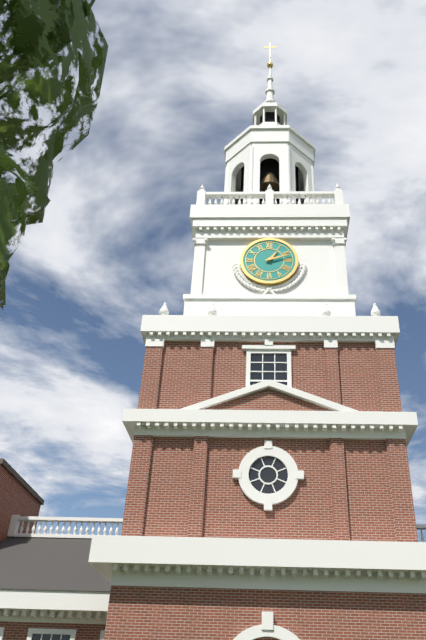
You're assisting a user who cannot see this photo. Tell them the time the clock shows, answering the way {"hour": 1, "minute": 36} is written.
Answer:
{"hour": 1, "minute": 12}
